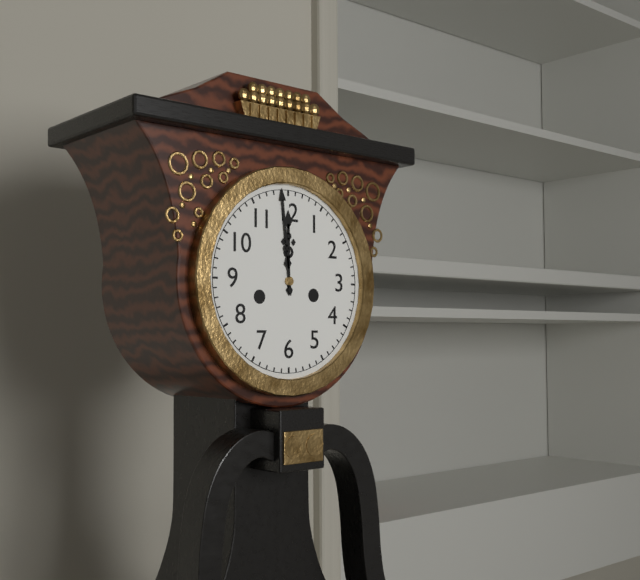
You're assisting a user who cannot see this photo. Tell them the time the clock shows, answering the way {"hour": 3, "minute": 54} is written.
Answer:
{"hour": 11, "minute": 59}
